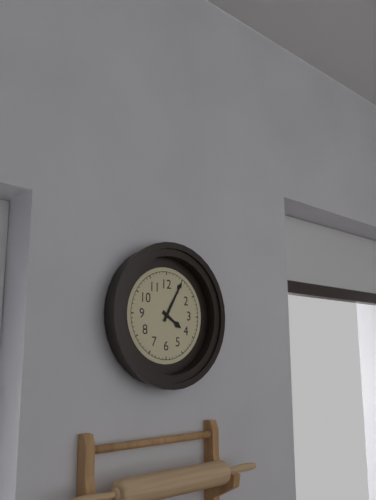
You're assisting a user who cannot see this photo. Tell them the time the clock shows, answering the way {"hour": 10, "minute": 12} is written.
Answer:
{"hour": 4, "minute": 5}
